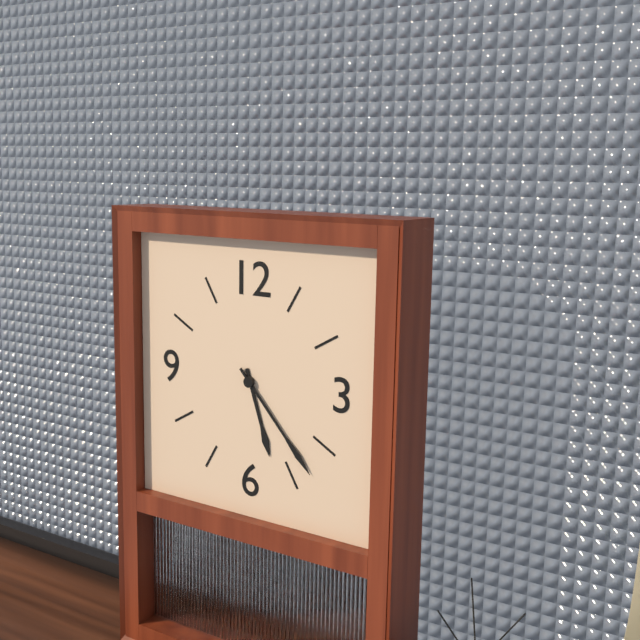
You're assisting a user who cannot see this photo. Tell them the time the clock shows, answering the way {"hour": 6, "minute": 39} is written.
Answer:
{"hour": 5, "minute": 23}
